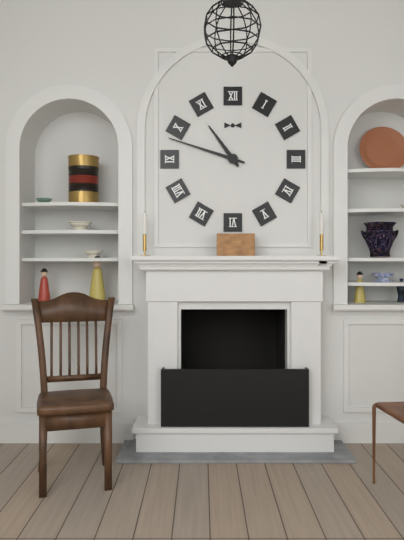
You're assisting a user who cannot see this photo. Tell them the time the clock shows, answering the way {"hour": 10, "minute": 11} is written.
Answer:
{"hour": 10, "minute": 48}
